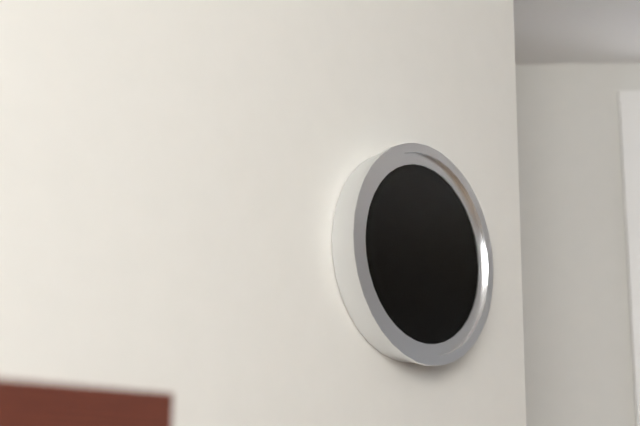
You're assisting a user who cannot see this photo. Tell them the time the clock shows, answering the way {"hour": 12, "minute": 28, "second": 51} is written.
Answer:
{"hour": 4, "minute": 41, "second": 31}
